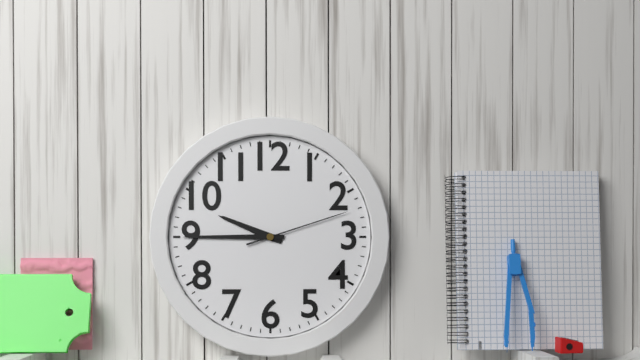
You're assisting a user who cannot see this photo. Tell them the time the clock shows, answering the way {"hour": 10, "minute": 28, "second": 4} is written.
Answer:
{"hour": 9, "minute": 45, "second": 12}
